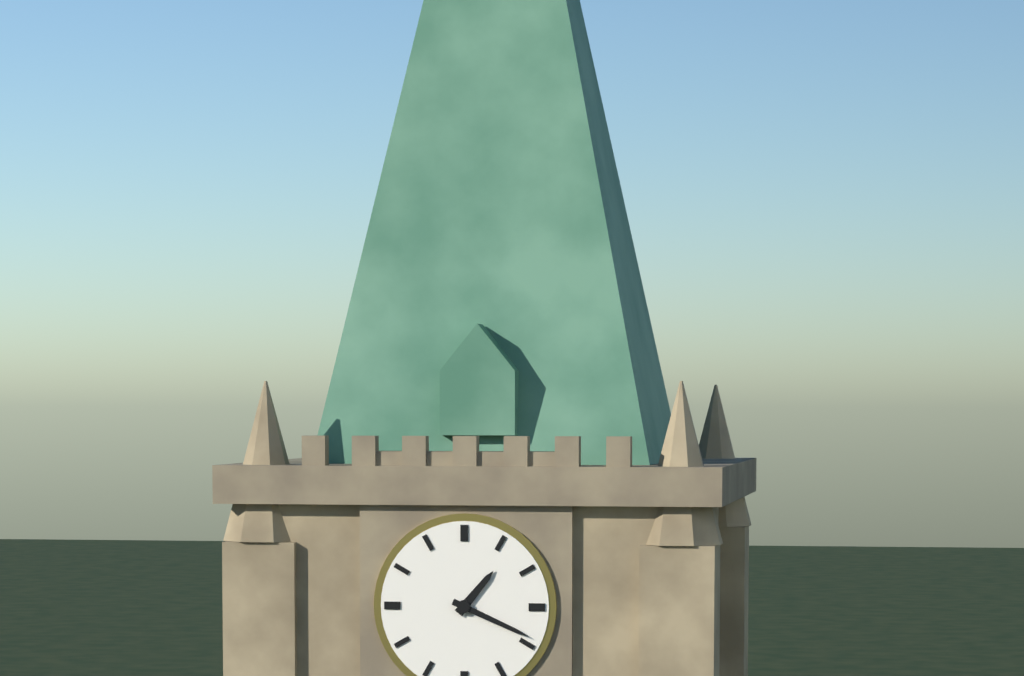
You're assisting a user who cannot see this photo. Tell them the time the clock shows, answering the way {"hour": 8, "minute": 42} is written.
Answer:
{"hour": 1, "minute": 19}
